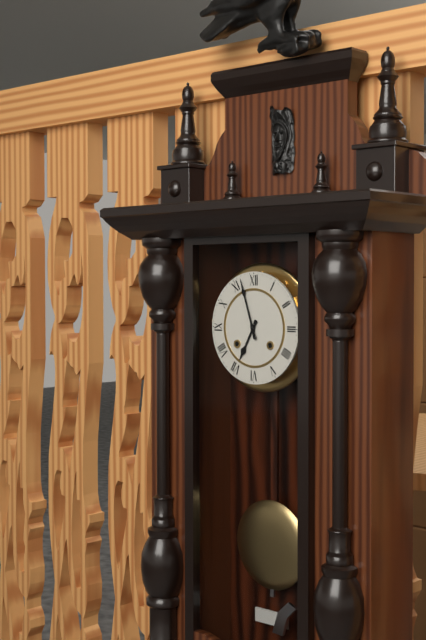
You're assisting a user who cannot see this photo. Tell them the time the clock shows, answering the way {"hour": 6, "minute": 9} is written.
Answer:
{"hour": 6, "minute": 57}
